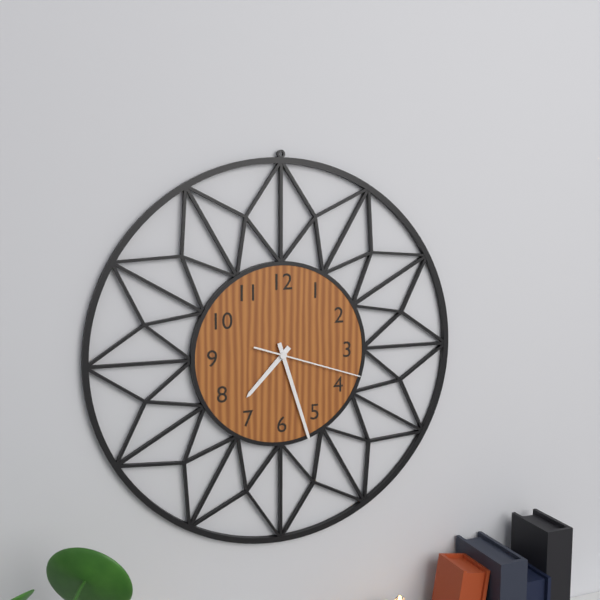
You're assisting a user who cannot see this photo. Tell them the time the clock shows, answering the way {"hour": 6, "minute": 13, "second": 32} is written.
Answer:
{"hour": 7, "minute": 27, "second": 18}
